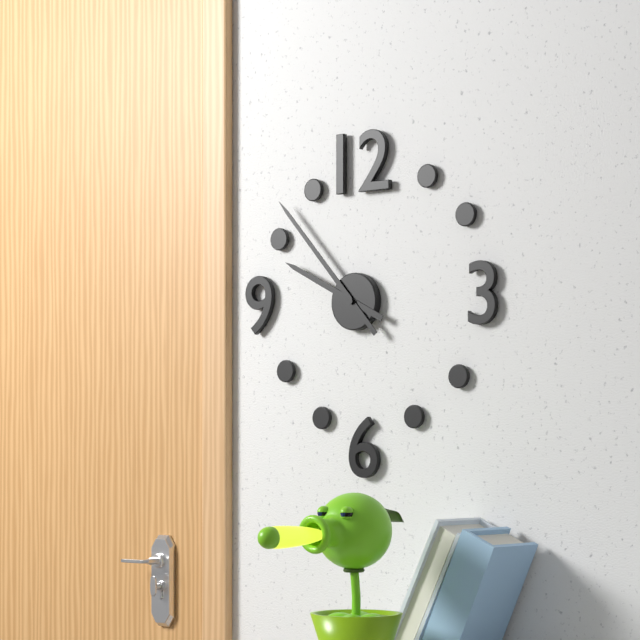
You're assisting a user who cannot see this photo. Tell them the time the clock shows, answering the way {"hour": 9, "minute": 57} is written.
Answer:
{"hour": 9, "minute": 53}
